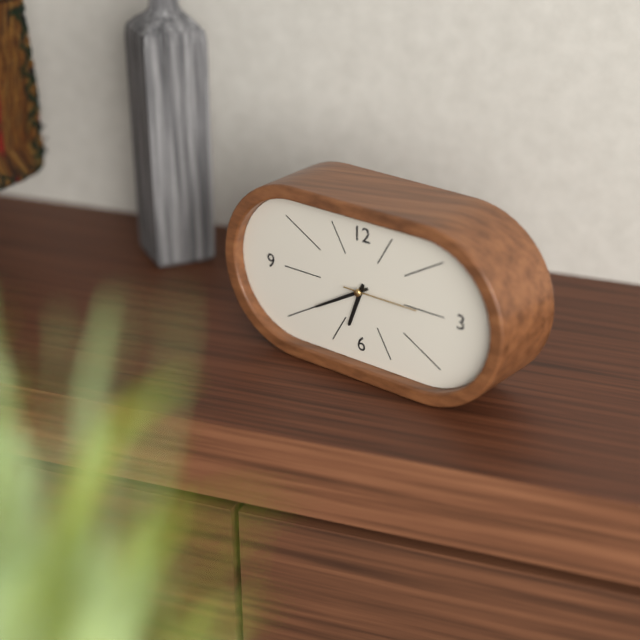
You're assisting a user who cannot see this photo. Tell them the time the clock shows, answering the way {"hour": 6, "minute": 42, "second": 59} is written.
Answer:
{"hour": 6, "minute": 40, "second": 15}
